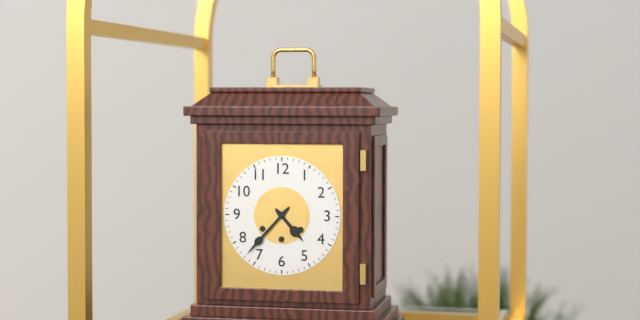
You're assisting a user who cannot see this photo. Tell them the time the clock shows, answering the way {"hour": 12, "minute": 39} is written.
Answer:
{"hour": 4, "minute": 37}
